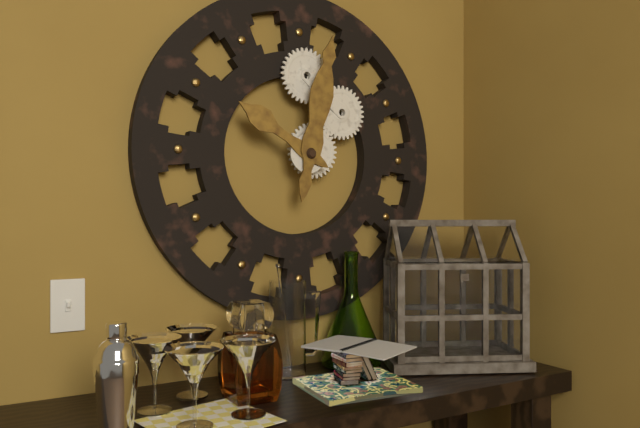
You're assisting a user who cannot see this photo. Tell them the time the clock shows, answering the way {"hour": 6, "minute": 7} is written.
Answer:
{"hour": 10, "minute": 2}
